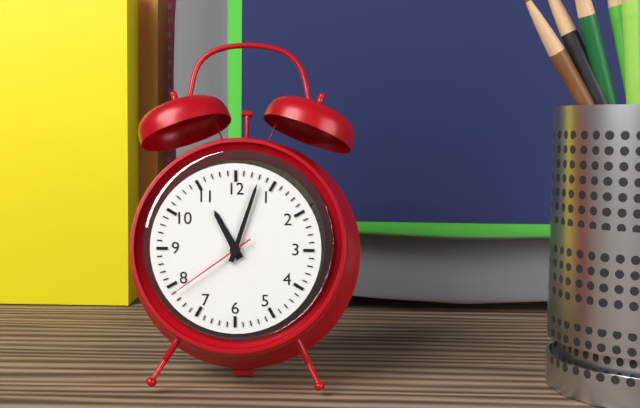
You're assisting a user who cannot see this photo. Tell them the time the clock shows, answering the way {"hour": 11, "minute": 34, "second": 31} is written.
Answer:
{"hour": 11, "minute": 3, "second": 39}
